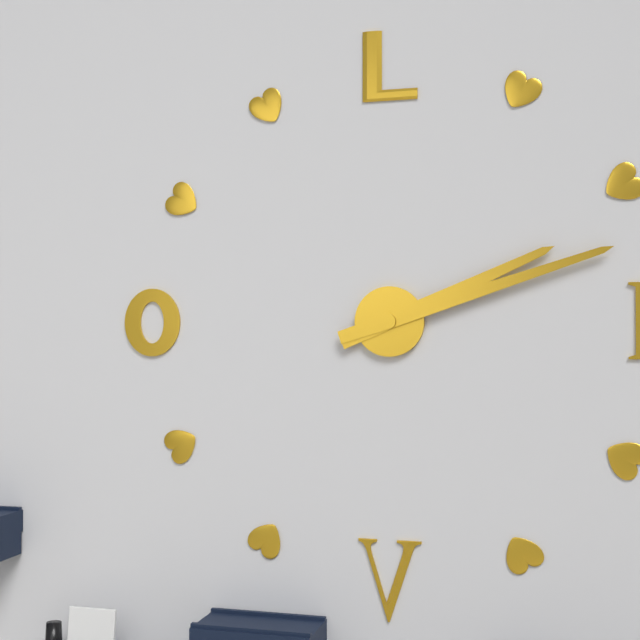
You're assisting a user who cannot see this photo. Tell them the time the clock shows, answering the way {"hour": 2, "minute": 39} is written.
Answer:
{"hour": 2, "minute": 12}
